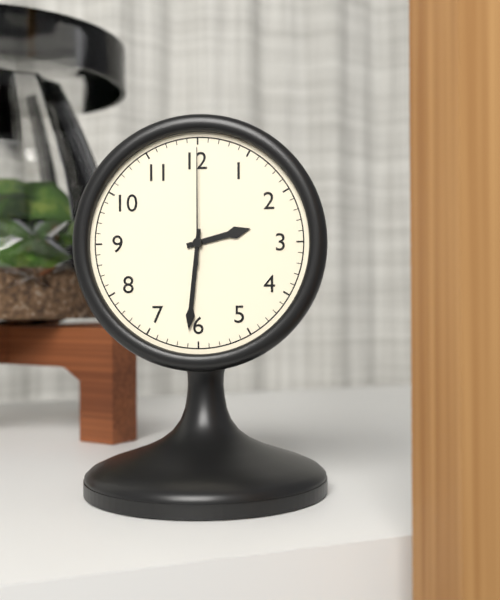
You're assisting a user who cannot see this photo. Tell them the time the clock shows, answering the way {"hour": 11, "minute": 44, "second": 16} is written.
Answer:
{"hour": 2, "minute": 31, "second": 0}
